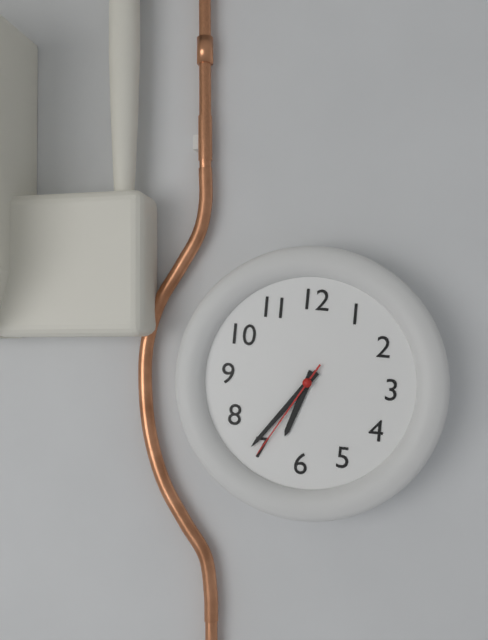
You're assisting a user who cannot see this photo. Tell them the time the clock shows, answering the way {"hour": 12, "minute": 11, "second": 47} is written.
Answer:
{"hour": 6, "minute": 36, "second": 35}
